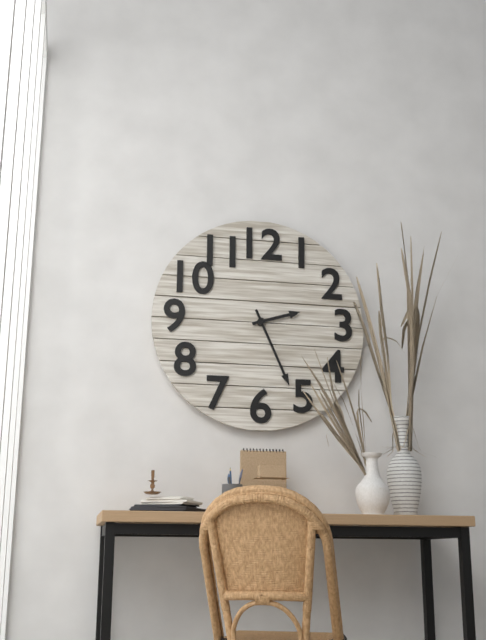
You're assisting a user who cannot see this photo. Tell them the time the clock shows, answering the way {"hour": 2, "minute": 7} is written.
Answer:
{"hour": 2, "minute": 26}
